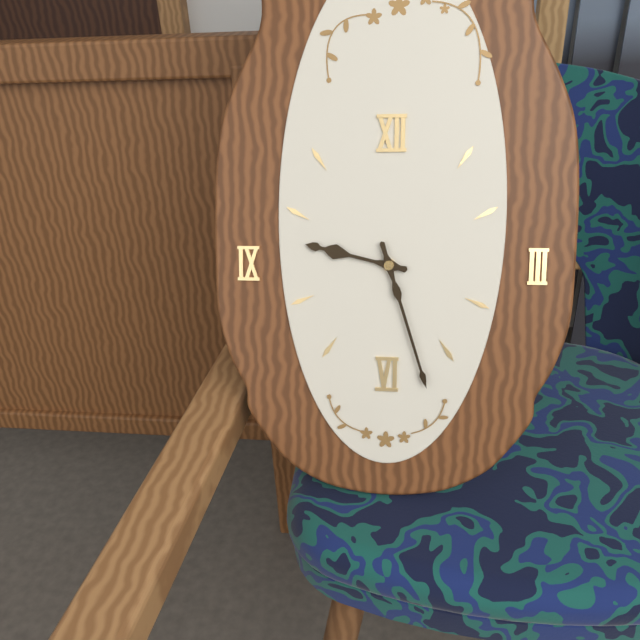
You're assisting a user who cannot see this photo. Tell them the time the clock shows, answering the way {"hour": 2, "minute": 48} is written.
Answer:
{"hour": 9, "minute": 27}
